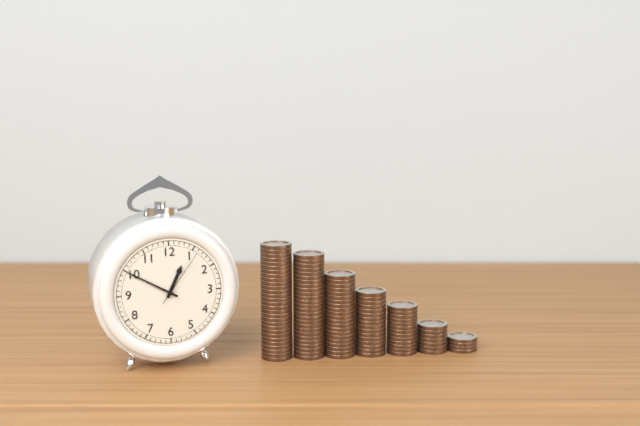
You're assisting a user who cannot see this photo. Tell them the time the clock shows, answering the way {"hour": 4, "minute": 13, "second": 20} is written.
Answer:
{"hour": 12, "minute": 50, "second": 6}
